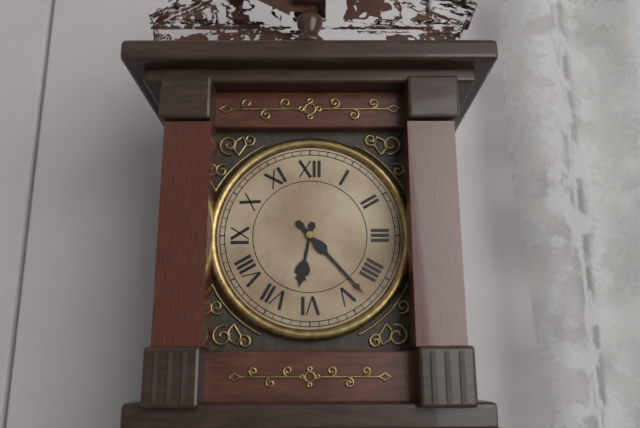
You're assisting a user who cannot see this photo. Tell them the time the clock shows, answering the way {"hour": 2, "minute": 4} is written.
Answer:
{"hour": 6, "minute": 23}
